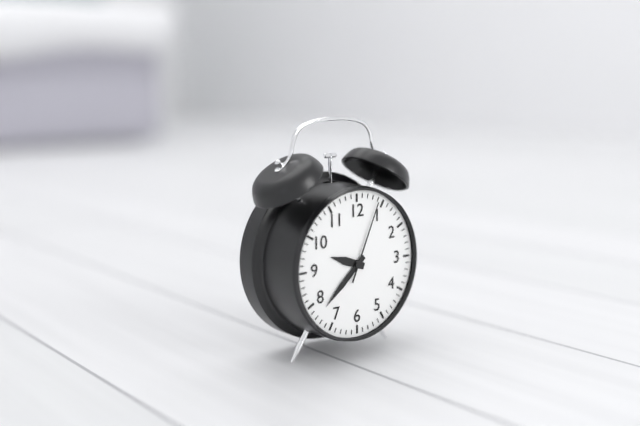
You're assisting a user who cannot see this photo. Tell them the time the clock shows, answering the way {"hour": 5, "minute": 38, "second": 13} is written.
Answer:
{"hour": 9, "minute": 38, "second": 4}
